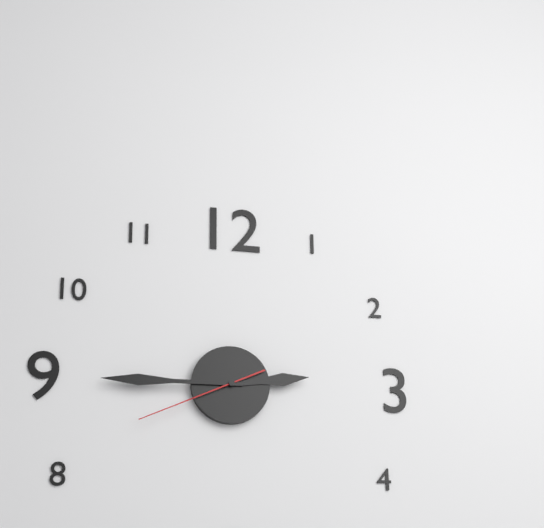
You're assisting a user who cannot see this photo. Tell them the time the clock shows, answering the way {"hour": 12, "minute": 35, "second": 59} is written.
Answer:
{"hour": 2, "minute": 45, "second": 41}
